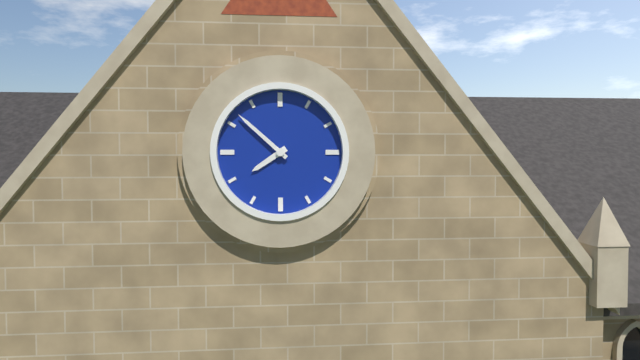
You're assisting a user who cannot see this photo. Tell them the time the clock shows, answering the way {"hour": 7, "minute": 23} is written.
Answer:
{"hour": 7, "minute": 52}
